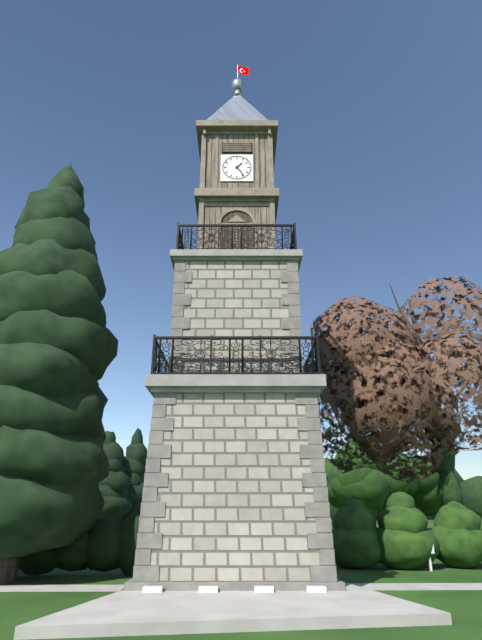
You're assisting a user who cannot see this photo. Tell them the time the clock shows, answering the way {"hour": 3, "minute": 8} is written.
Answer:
{"hour": 1, "minute": 24}
